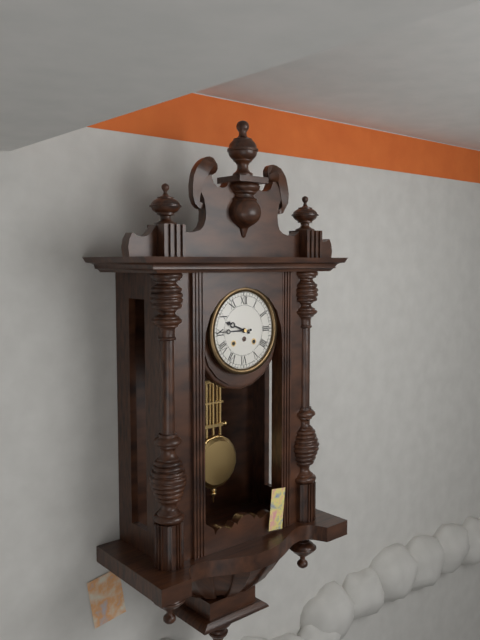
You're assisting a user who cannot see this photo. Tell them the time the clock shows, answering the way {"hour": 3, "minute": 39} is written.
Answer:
{"hour": 9, "minute": 45}
